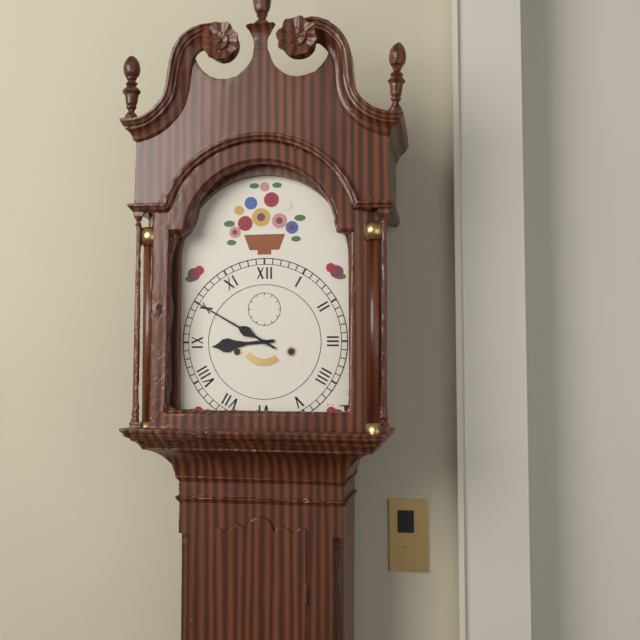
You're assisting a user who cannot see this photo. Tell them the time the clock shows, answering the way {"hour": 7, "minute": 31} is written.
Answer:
{"hour": 8, "minute": 50}
